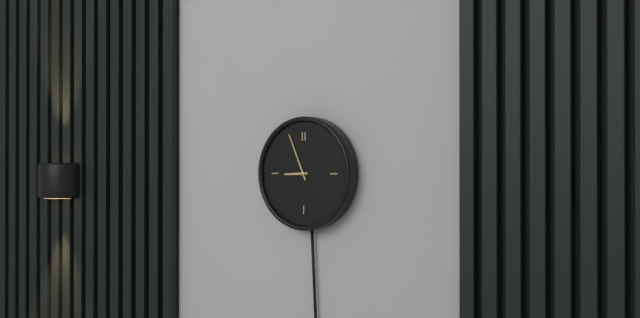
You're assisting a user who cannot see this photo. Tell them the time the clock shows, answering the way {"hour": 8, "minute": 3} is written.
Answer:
{"hour": 8, "minute": 56}
